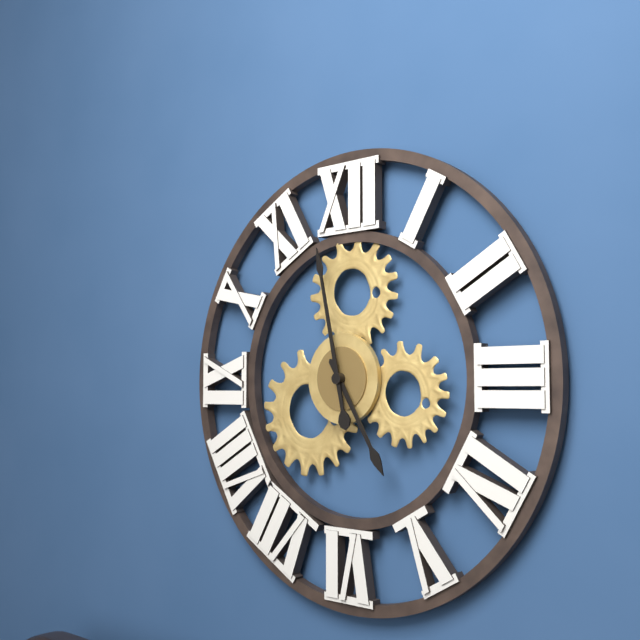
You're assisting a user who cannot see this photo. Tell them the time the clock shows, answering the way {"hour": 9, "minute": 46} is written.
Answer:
{"hour": 4, "minute": 58}
